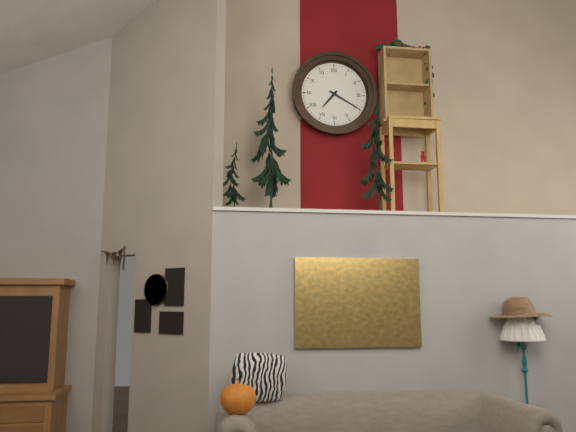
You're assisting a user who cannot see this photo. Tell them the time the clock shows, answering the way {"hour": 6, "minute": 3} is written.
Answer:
{"hour": 7, "minute": 20}
